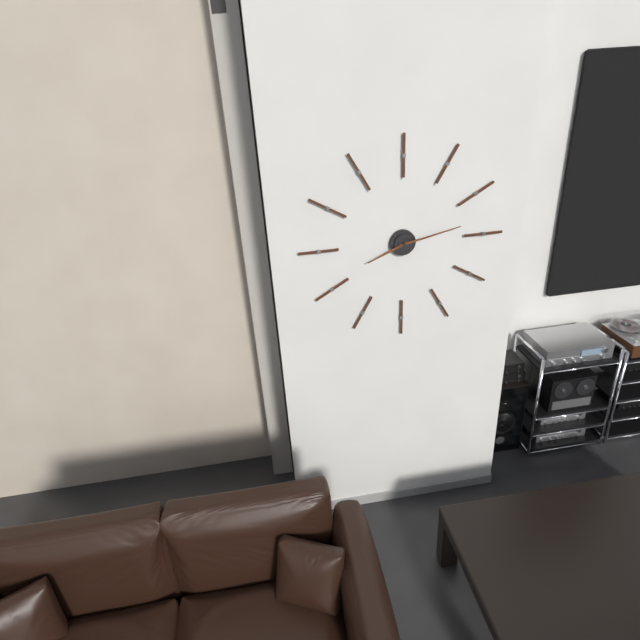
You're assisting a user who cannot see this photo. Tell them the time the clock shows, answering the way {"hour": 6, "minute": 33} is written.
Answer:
{"hour": 8, "minute": 13}
